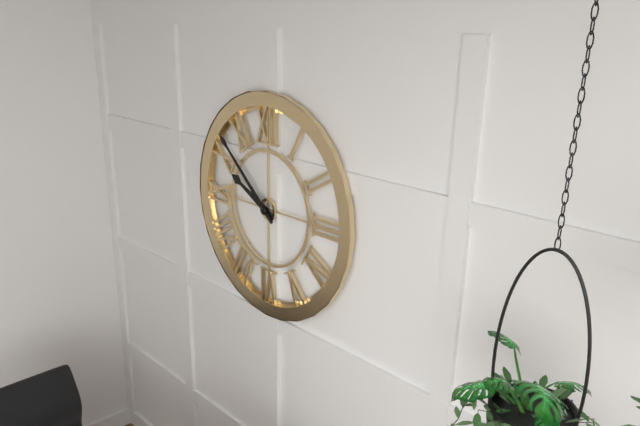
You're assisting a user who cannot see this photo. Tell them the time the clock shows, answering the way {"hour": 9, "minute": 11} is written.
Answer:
{"hour": 9, "minute": 52}
